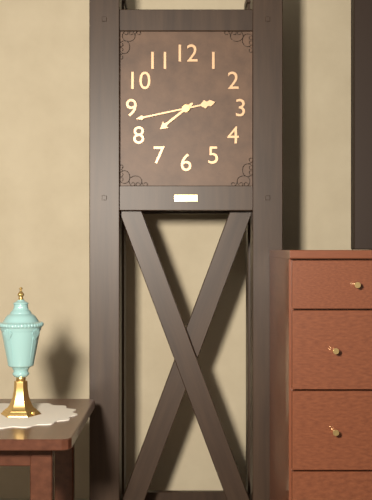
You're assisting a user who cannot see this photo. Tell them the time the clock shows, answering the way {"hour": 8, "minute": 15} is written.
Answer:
{"hour": 7, "minute": 43}
